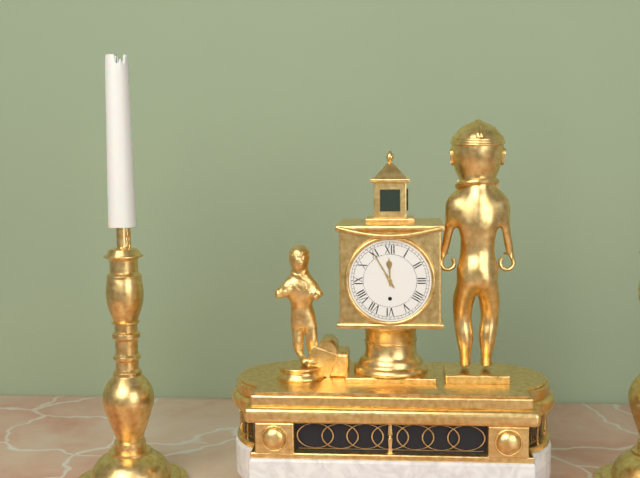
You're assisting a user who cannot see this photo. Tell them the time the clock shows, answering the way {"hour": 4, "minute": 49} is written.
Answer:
{"hour": 11, "minute": 55}
